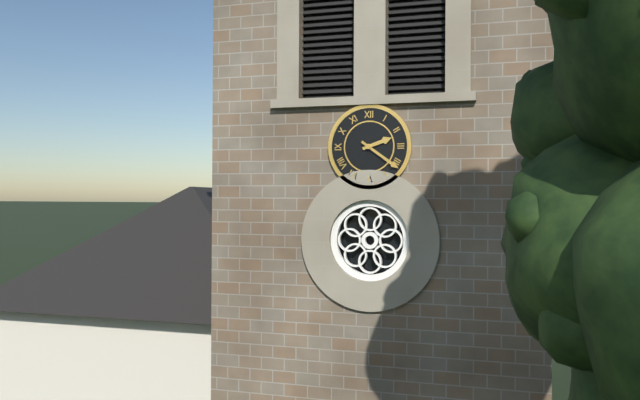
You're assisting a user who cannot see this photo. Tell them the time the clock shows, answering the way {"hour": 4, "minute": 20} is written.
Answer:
{"hour": 2, "minute": 21}
